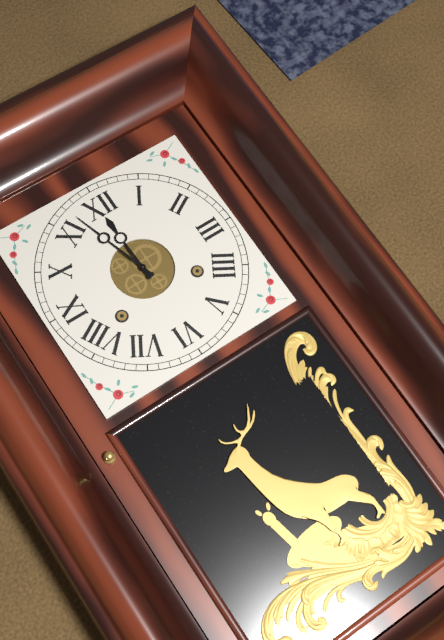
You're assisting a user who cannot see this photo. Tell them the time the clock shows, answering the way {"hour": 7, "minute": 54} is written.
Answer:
{"hour": 11, "minute": 57}
